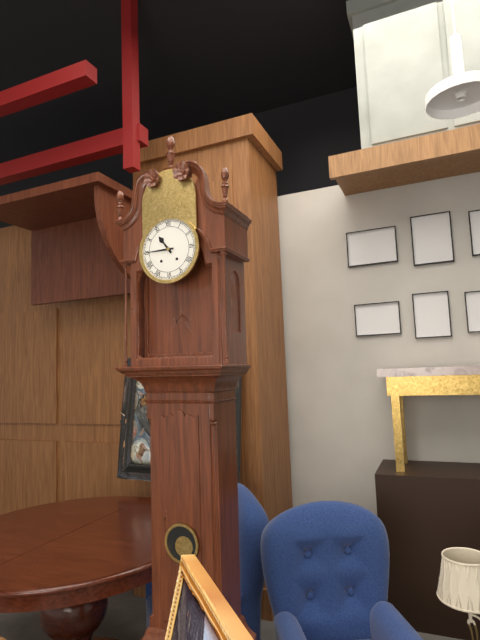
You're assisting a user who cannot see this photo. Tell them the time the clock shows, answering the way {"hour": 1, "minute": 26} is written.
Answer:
{"hour": 10, "minute": 45}
